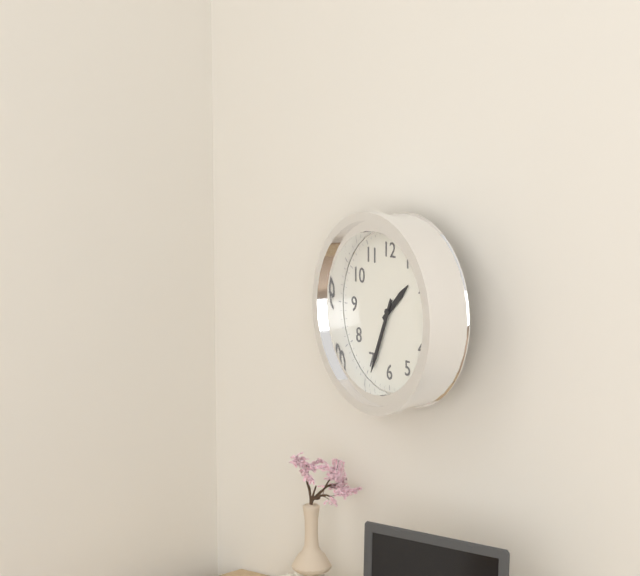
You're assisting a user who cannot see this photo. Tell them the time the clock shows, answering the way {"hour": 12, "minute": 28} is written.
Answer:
{"hour": 1, "minute": 34}
